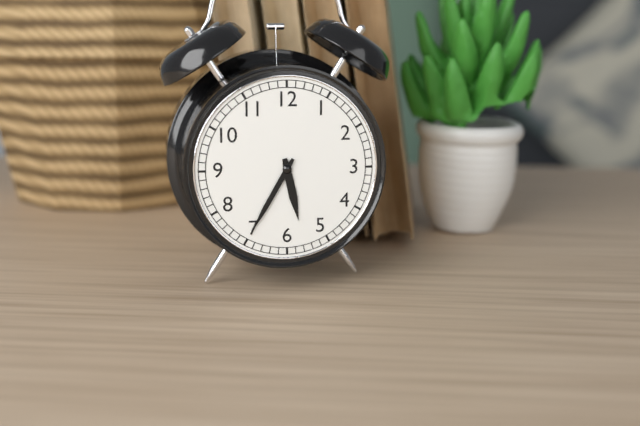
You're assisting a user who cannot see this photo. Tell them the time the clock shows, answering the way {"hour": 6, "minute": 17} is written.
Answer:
{"hour": 5, "minute": 35}
